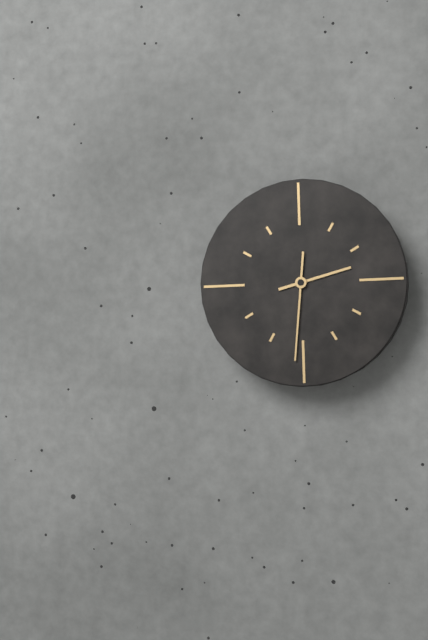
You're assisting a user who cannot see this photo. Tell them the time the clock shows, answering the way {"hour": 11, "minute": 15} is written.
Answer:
{"hour": 2, "minute": 31}
